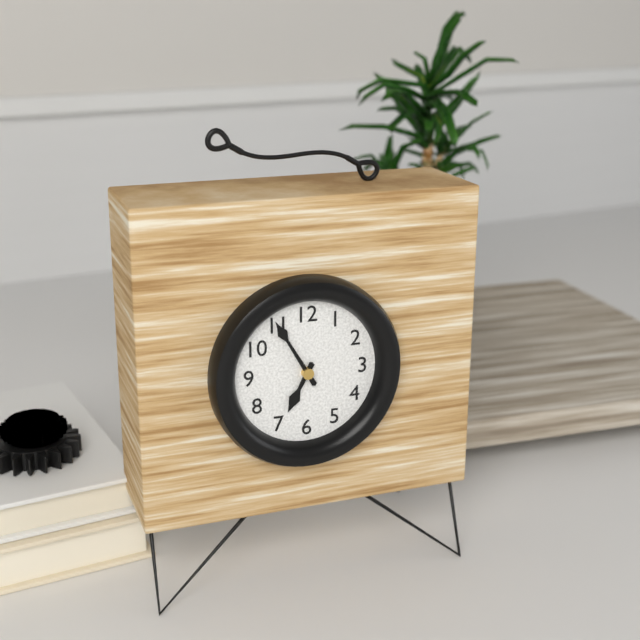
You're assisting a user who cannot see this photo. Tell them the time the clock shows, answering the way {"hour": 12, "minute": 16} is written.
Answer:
{"hour": 6, "minute": 55}
